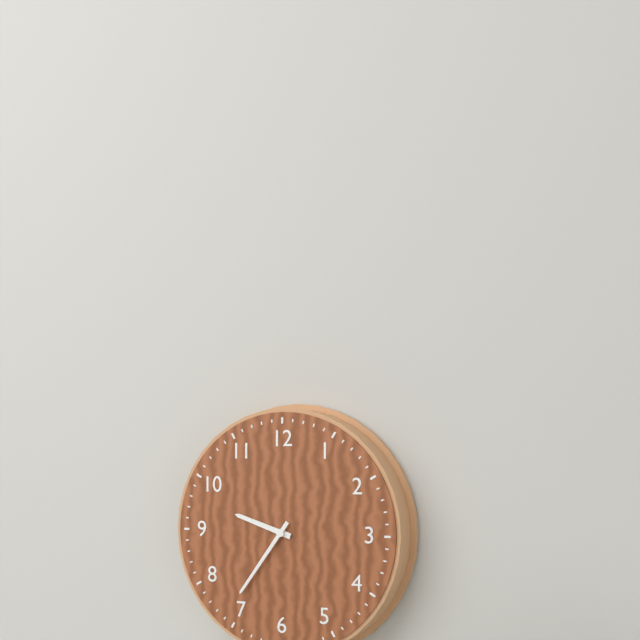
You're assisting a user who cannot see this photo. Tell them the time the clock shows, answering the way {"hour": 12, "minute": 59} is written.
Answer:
{"hour": 9, "minute": 36}
